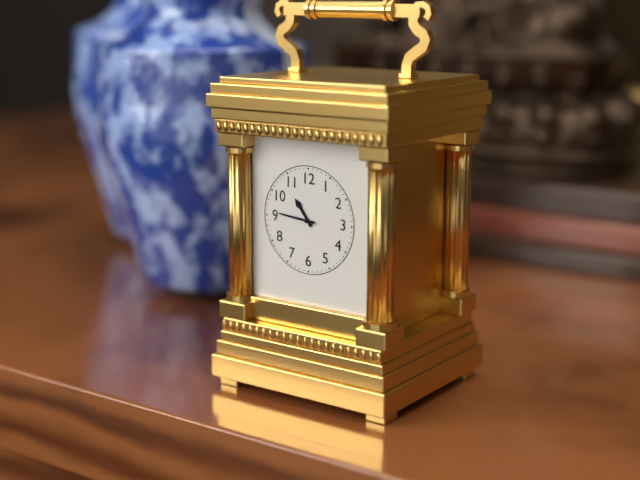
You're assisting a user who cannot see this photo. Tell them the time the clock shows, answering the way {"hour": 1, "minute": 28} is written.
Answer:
{"hour": 10, "minute": 46}
